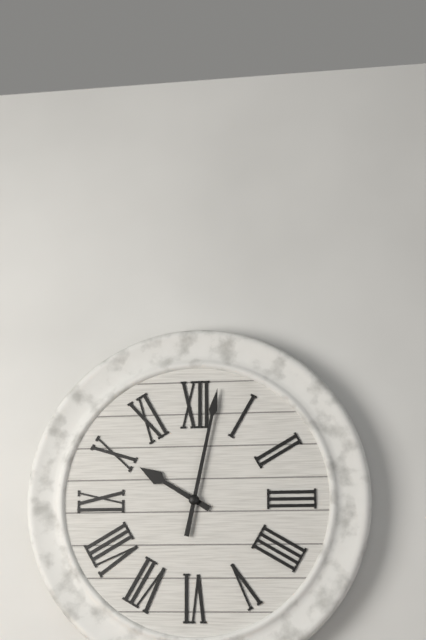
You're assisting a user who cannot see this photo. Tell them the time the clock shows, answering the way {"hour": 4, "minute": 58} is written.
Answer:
{"hour": 10, "minute": 2}
